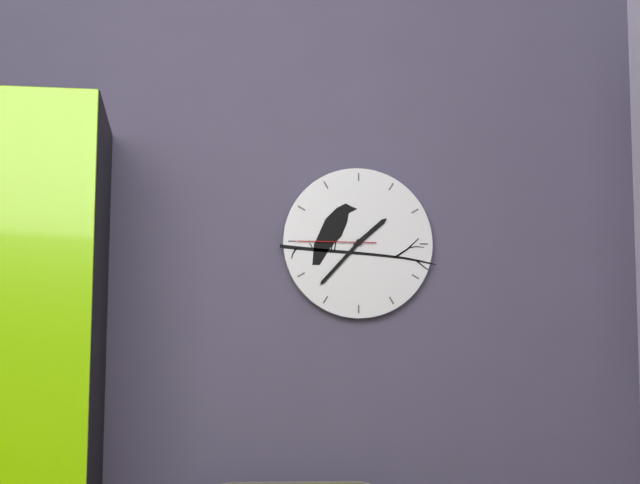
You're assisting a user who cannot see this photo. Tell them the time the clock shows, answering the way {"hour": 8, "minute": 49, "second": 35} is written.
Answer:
{"hour": 1, "minute": 37, "second": 45}
